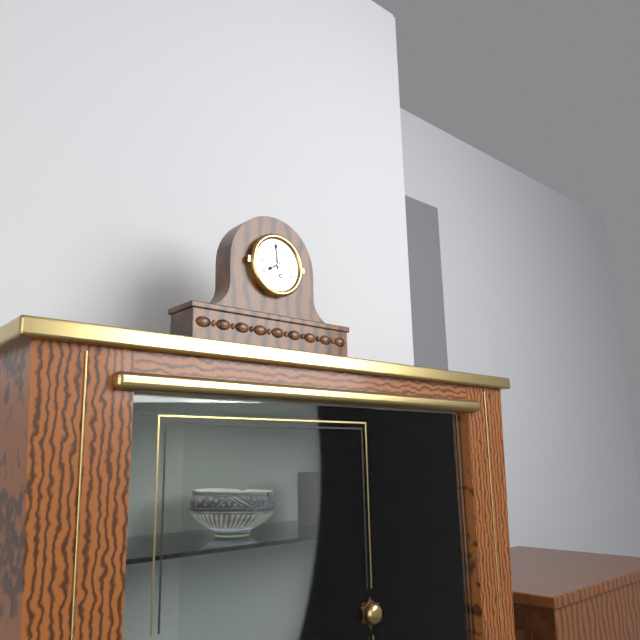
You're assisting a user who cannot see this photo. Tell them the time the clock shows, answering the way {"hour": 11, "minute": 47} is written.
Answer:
{"hour": 7, "minute": 59}
